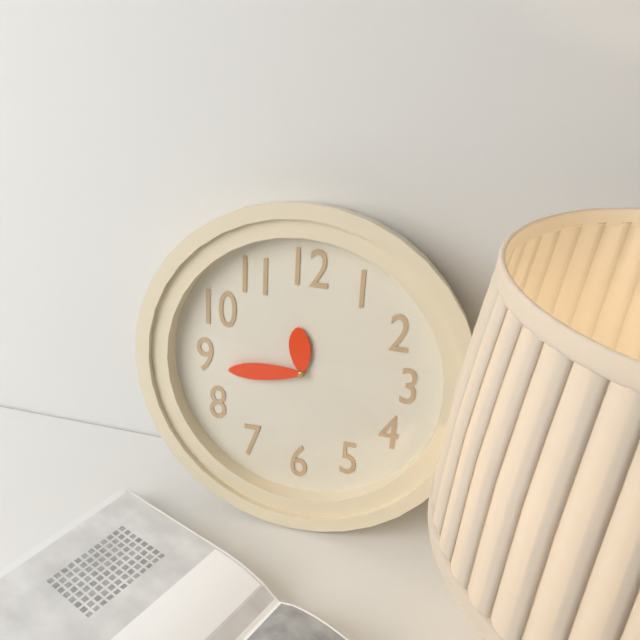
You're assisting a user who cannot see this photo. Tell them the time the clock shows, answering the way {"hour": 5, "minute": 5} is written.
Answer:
{"hour": 11, "minute": 44}
